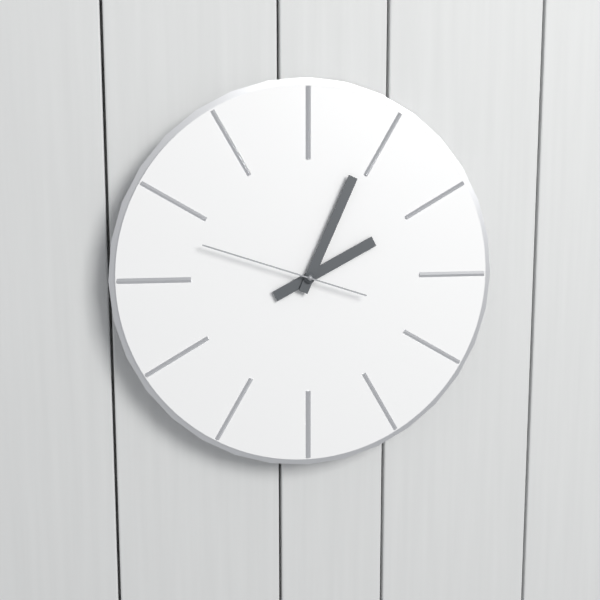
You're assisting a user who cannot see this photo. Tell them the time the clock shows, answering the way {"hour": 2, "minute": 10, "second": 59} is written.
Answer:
{"hour": 2, "minute": 4, "second": 48}
